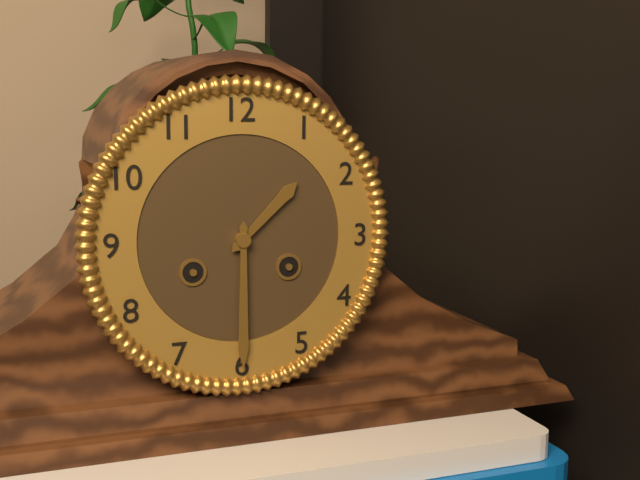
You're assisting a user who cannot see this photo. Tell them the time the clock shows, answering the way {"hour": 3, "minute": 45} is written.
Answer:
{"hour": 1, "minute": 30}
